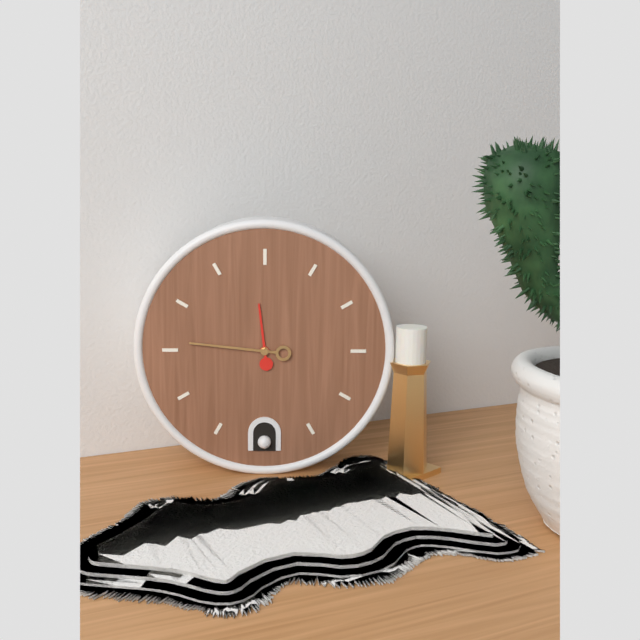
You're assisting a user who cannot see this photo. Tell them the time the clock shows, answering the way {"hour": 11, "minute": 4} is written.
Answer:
{"hour": 11, "minute": 46}
